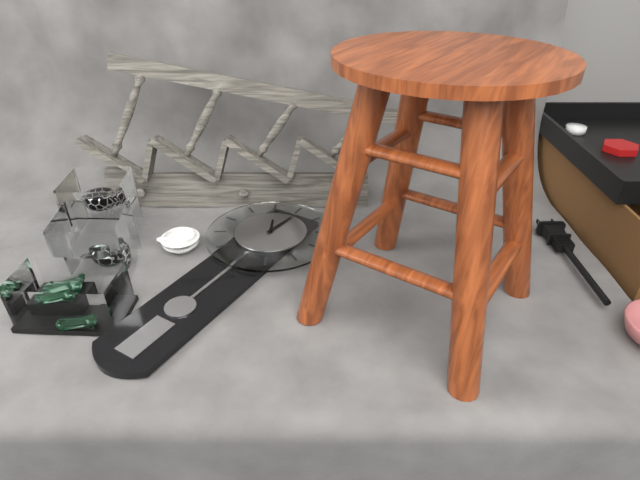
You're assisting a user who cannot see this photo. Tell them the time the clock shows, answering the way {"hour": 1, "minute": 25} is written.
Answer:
{"hour": 11, "minute": 1}
